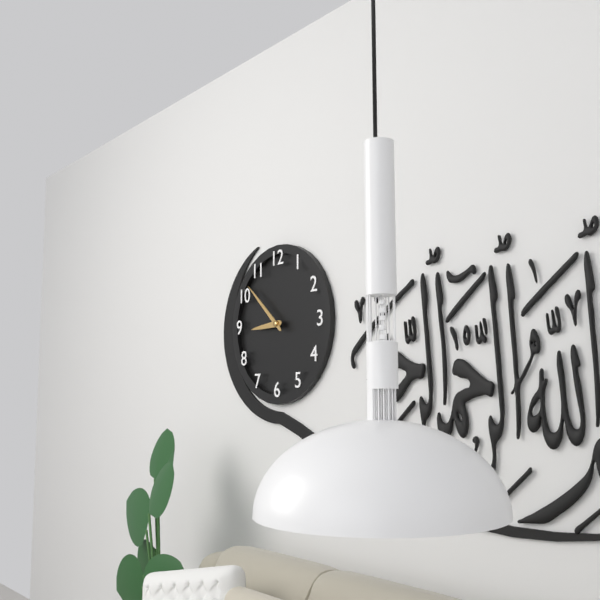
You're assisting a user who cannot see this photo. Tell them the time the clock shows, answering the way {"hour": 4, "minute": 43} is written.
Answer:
{"hour": 8, "minute": 52}
